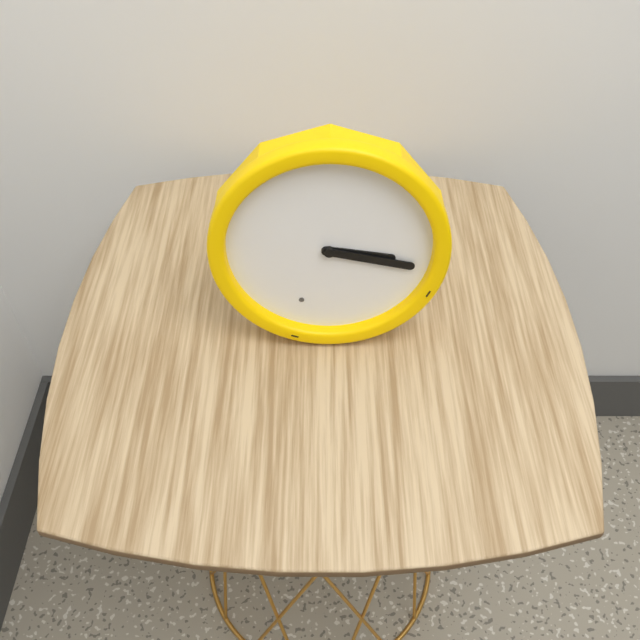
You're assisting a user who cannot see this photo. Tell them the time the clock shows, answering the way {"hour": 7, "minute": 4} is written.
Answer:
{"hour": 3, "minute": 17}
